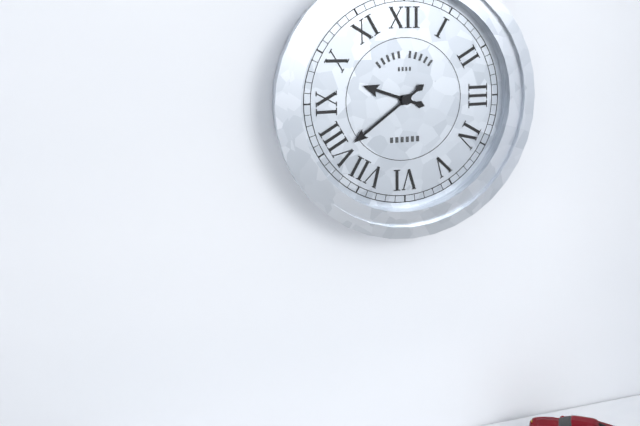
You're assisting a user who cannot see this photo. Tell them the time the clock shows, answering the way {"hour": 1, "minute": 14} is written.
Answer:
{"hour": 9, "minute": 39}
